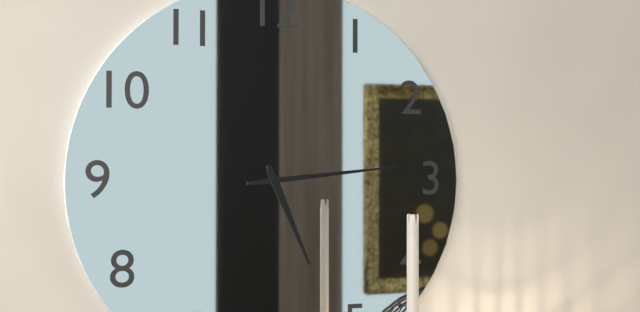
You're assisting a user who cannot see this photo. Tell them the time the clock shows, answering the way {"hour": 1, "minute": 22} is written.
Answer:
{"hour": 5, "minute": 14}
